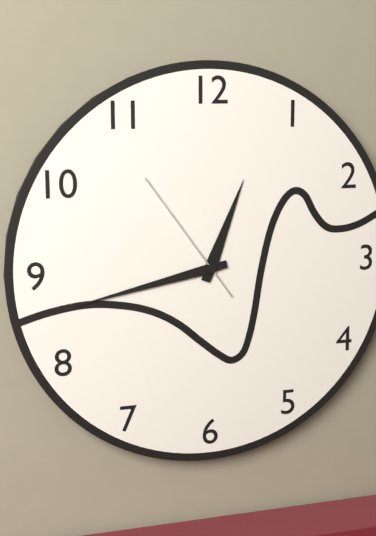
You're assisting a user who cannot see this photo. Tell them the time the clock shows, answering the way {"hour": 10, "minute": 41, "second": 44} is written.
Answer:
{"hour": 12, "minute": 43, "second": 54}
